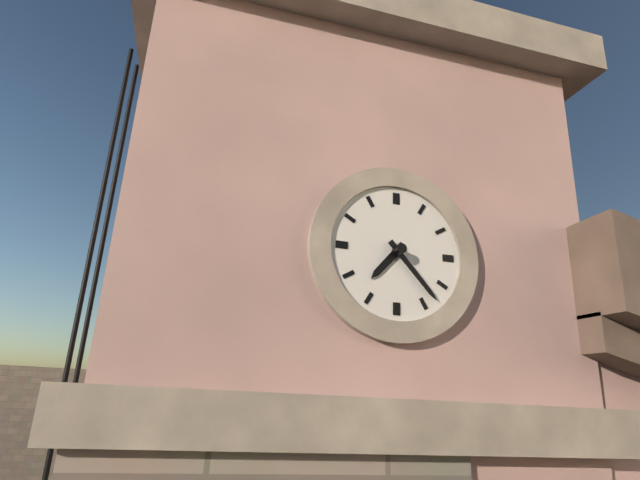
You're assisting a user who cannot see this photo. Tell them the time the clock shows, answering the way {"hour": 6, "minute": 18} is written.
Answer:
{"hour": 7, "minute": 23}
